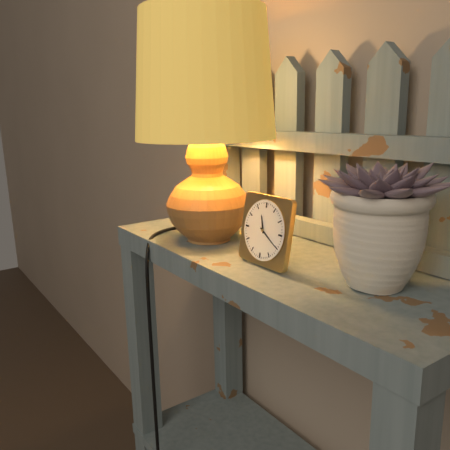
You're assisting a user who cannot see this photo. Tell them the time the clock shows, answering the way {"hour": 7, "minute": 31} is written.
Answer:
{"hour": 11, "minute": 20}
